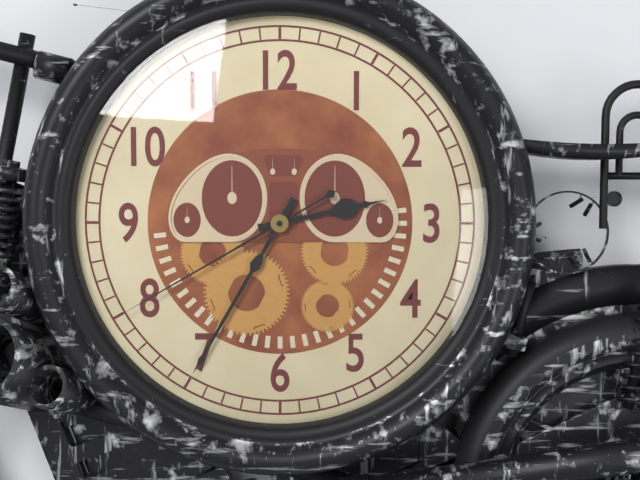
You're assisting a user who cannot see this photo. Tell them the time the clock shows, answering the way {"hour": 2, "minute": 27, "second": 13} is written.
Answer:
{"hour": 2, "minute": 35, "second": 40}
